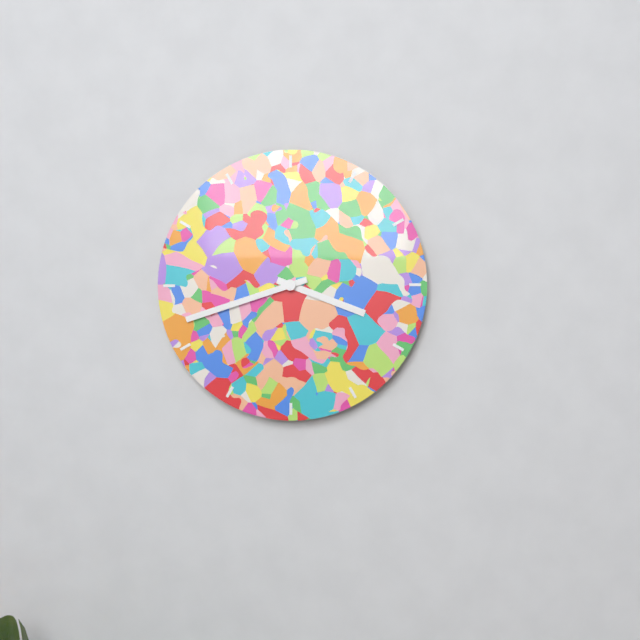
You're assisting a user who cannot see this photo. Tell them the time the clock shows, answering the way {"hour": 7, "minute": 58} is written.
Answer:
{"hour": 3, "minute": 42}
